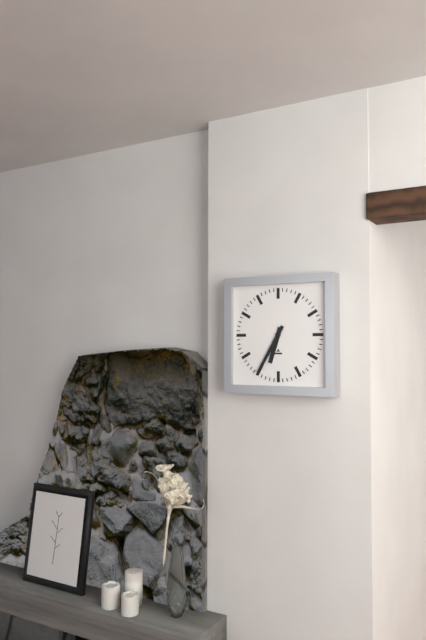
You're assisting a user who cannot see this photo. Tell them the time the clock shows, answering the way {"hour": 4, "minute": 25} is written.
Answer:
{"hour": 6, "minute": 35}
